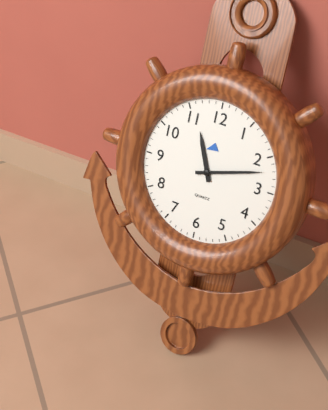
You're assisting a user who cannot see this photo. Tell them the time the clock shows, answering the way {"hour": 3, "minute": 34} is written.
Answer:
{"hour": 11, "minute": 12}
